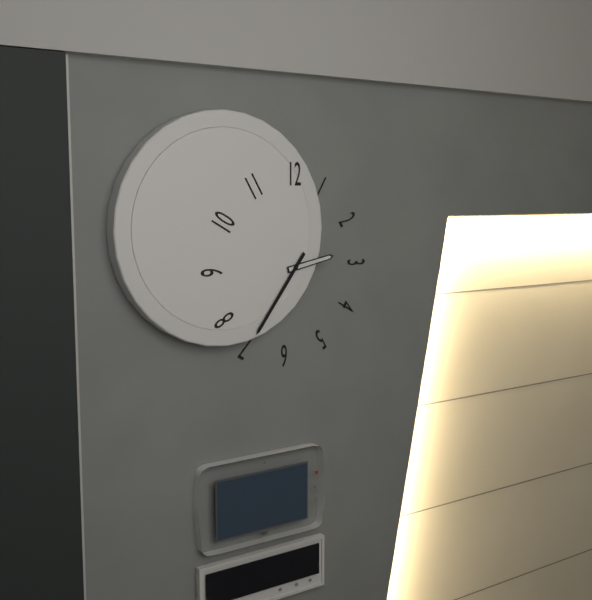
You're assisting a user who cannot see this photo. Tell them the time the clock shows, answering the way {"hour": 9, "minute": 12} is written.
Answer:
{"hour": 2, "minute": 36}
